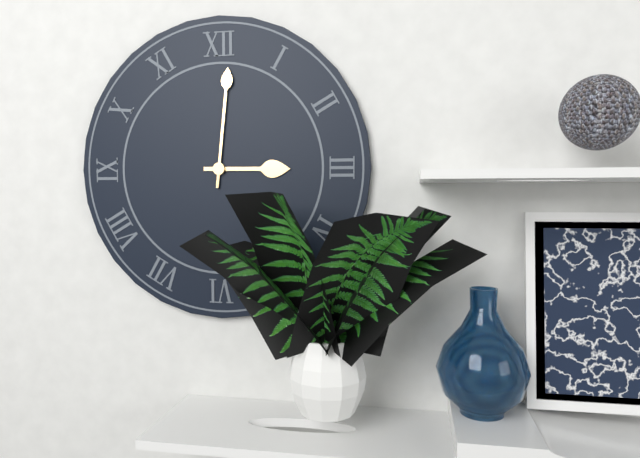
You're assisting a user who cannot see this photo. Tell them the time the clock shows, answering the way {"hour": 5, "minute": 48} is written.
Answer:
{"hour": 3, "minute": 1}
